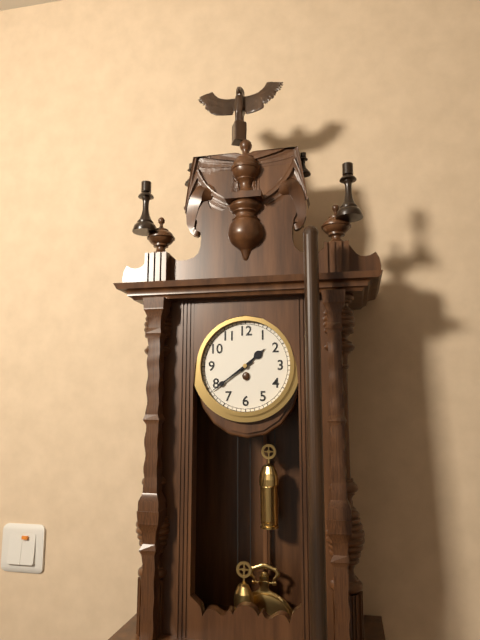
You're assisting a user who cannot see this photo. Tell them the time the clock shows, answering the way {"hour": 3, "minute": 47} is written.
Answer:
{"hour": 1, "minute": 39}
